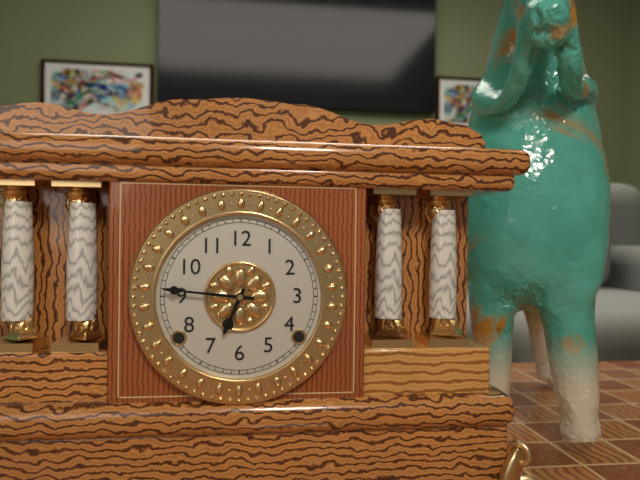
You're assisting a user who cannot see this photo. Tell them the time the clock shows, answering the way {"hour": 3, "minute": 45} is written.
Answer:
{"hour": 6, "minute": 46}
